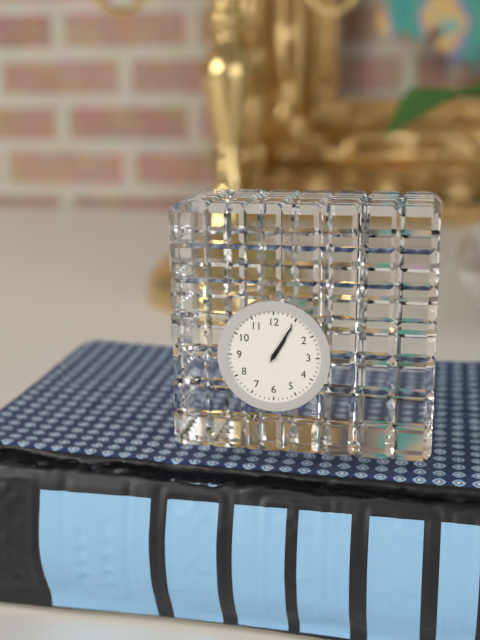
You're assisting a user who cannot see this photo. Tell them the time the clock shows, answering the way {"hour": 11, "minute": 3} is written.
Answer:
{"hour": 1, "minute": 5}
